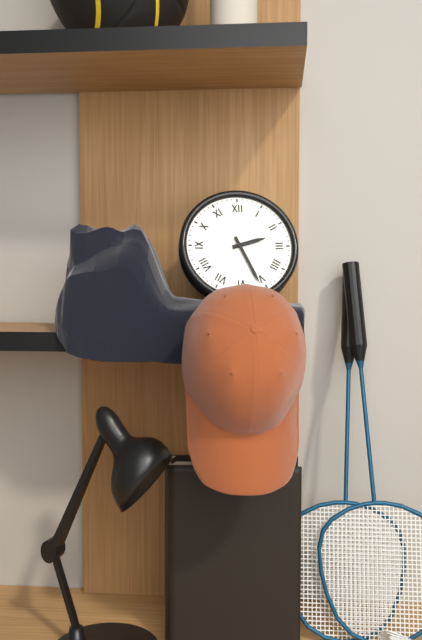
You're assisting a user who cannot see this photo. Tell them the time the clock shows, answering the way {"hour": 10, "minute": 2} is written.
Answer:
{"hour": 2, "minute": 26}
